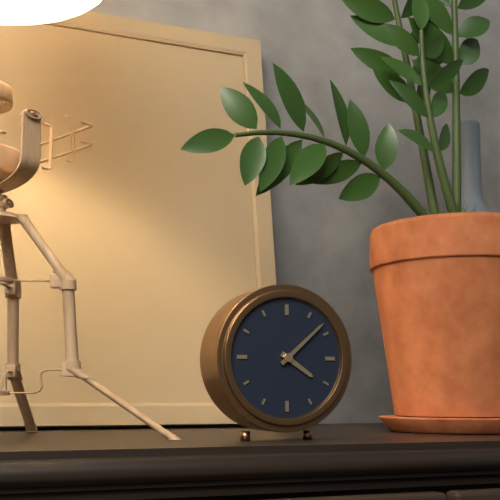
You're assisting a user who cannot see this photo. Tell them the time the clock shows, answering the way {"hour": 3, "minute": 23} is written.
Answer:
{"hour": 4, "minute": 8}
